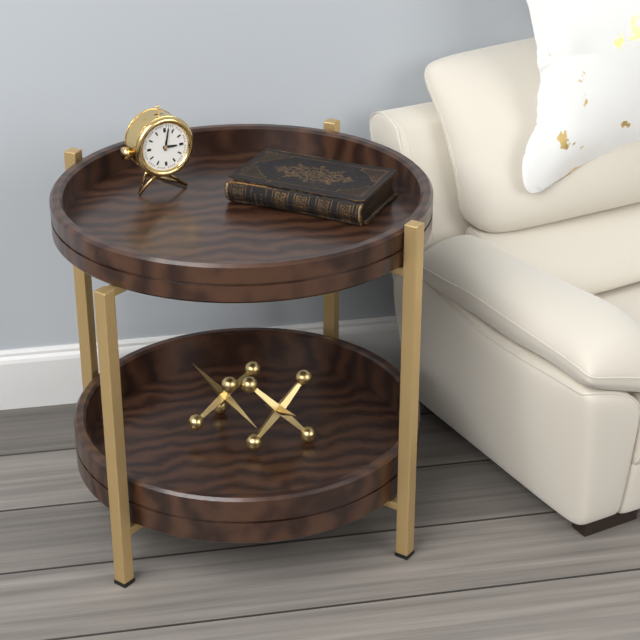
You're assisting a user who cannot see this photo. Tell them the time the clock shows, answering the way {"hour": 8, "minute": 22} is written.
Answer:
{"hour": 3, "minute": 2}
